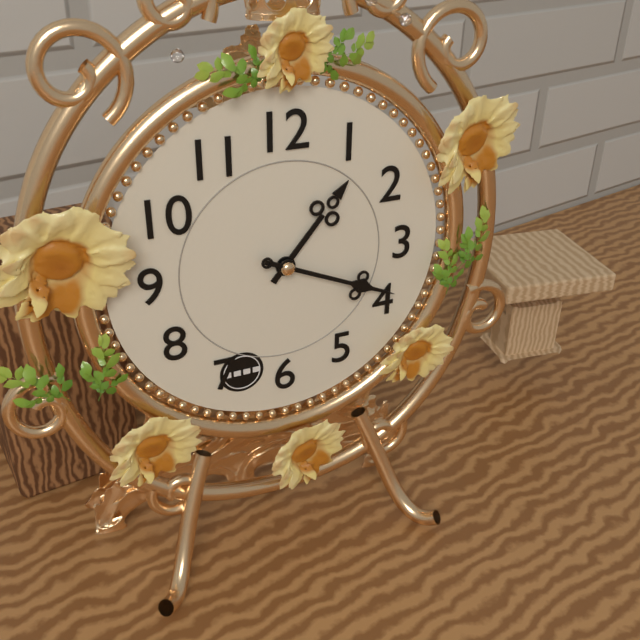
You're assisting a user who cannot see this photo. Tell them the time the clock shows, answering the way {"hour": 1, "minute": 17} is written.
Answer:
{"hour": 1, "minute": 19}
